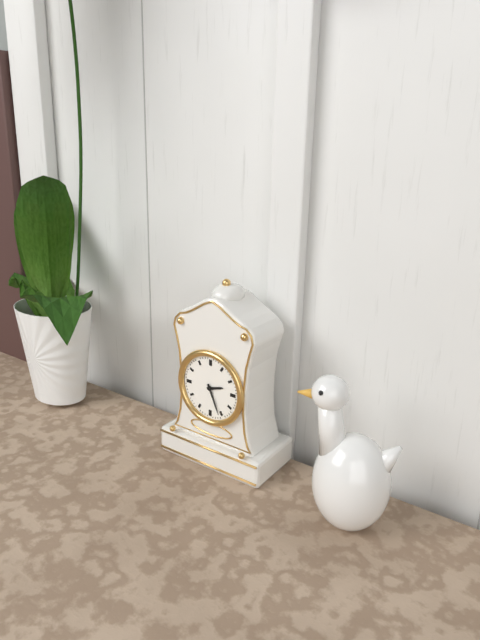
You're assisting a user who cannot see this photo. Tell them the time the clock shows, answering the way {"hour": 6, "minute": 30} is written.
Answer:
{"hour": 2, "minute": 26}
